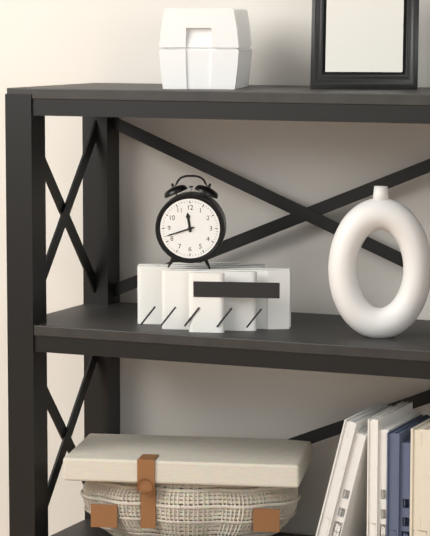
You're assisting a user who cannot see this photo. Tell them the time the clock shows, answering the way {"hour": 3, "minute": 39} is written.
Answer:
{"hour": 11, "minute": 42}
